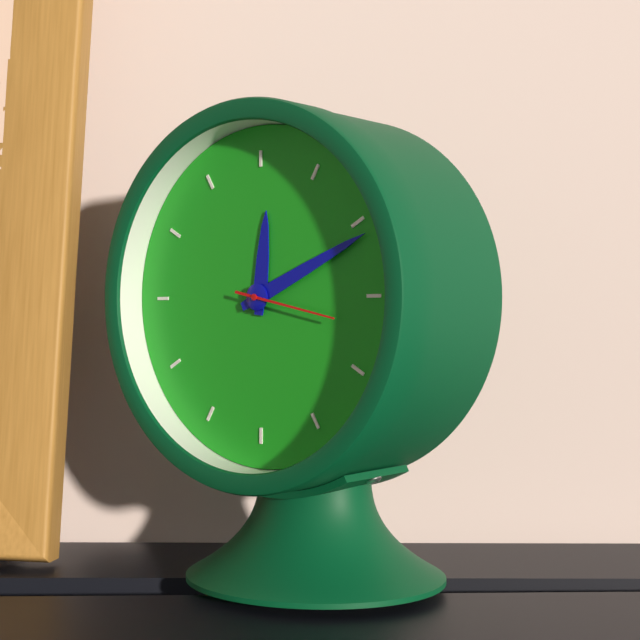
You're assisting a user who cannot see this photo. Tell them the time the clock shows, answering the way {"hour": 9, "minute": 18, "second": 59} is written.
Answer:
{"hour": 12, "minute": 11, "second": 17}
